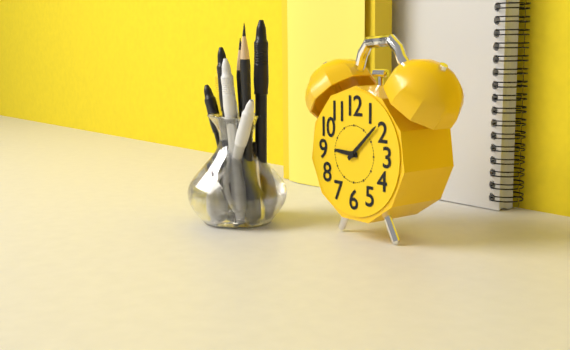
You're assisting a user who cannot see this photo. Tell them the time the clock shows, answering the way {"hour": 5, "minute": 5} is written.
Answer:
{"hour": 9, "minute": 8}
